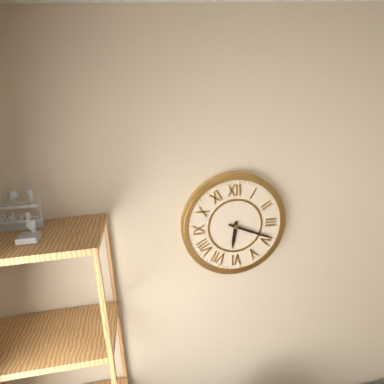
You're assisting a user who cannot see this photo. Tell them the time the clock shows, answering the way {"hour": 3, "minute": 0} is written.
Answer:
{"hour": 6, "minute": 19}
